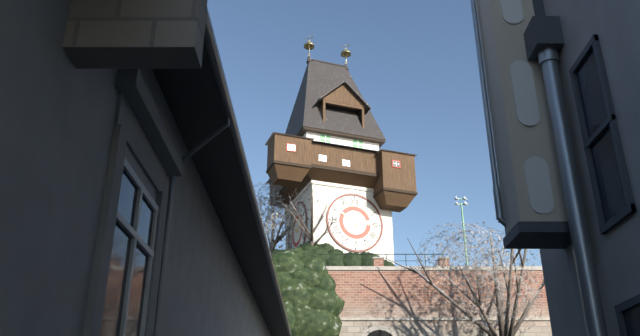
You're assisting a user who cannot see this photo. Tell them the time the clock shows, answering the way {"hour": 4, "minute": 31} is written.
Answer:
{"hour": 2, "minute": 50}
